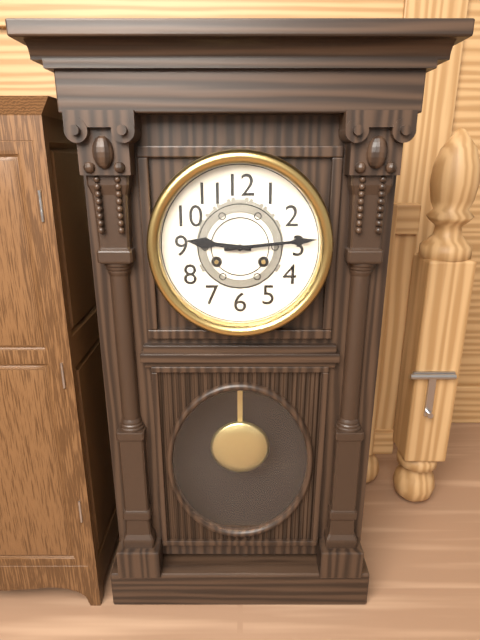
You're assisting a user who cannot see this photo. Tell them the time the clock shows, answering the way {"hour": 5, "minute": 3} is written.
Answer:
{"hour": 9, "minute": 14}
